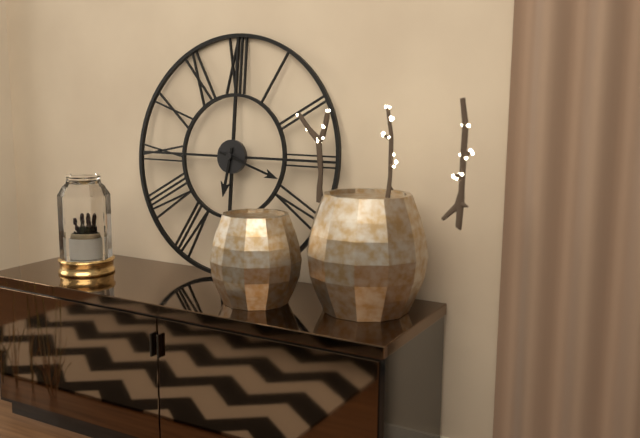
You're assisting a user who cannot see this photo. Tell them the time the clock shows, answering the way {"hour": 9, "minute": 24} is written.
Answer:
{"hour": 6, "minute": 18}
